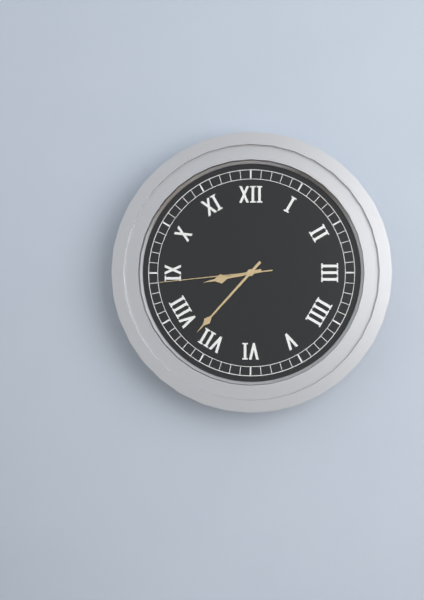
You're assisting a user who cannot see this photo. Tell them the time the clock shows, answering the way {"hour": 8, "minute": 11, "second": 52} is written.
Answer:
{"hour": 8, "minute": 37, "second": 44}
